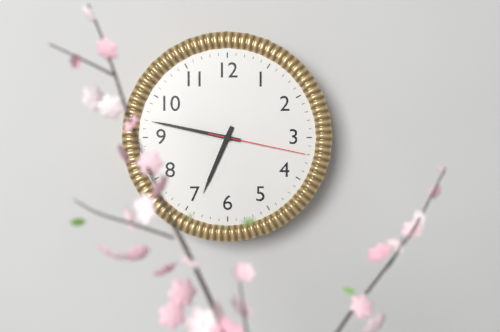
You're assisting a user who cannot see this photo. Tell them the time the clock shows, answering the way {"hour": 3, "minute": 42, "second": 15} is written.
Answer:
{"hour": 6, "minute": 47, "second": 17}
